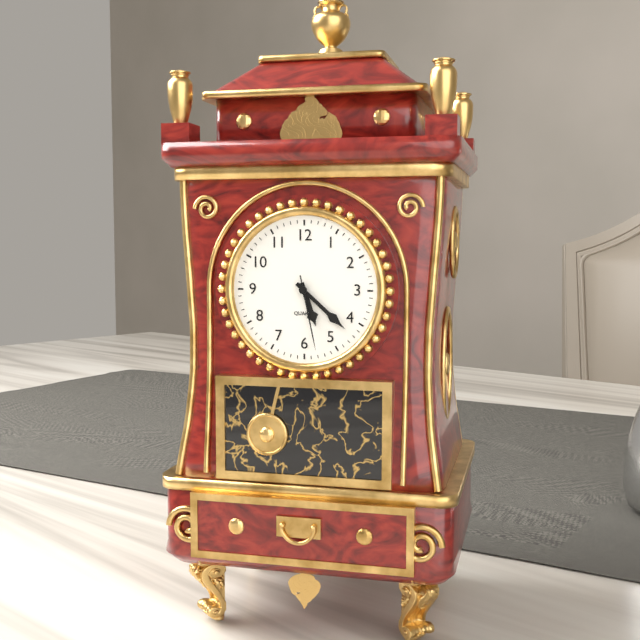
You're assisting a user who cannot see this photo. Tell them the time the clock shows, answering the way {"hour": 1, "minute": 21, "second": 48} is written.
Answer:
{"hour": 5, "minute": 22, "second": 28}
